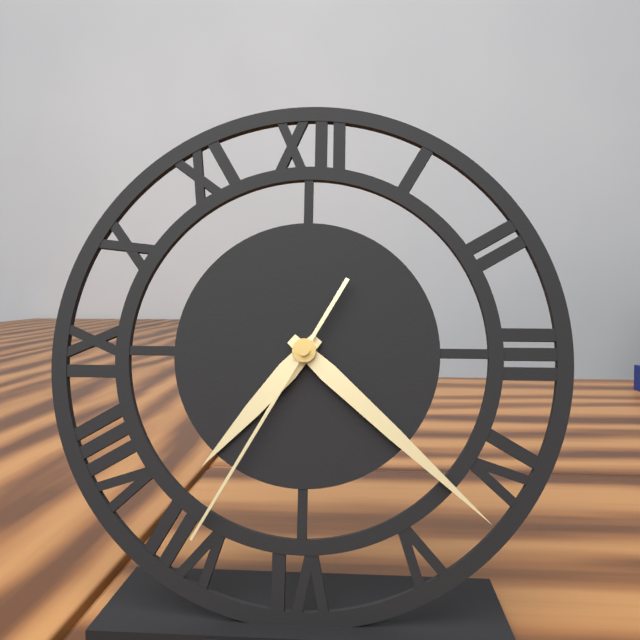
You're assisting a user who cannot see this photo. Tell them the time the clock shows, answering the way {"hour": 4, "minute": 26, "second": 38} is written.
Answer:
{"hour": 7, "minute": 22, "second": 35}
